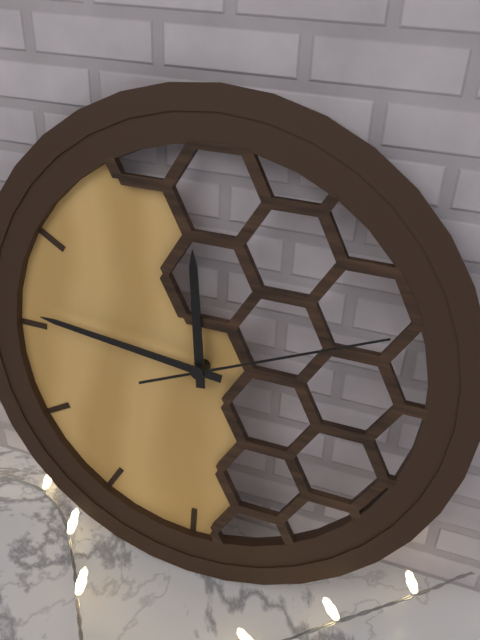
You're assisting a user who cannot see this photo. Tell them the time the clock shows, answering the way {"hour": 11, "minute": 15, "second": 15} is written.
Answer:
{"hour": 11, "minute": 46, "second": 11}
